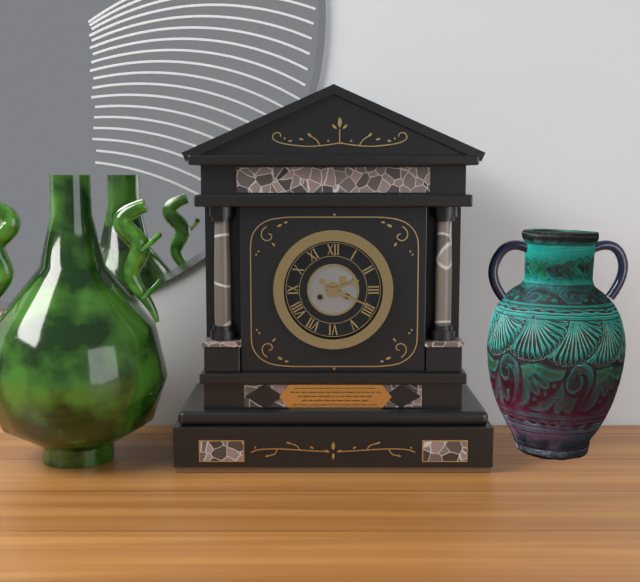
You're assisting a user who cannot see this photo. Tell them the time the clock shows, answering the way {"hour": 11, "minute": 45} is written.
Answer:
{"hour": 2, "minute": 19}
